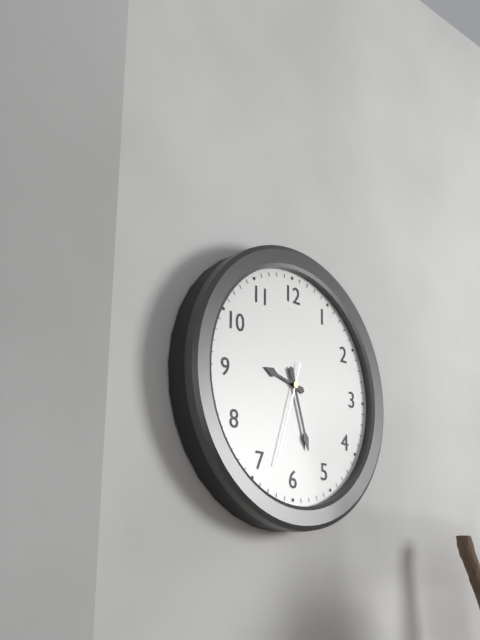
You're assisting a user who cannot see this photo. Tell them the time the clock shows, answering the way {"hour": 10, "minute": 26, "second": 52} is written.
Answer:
{"hour": 9, "minute": 27, "second": 33}
